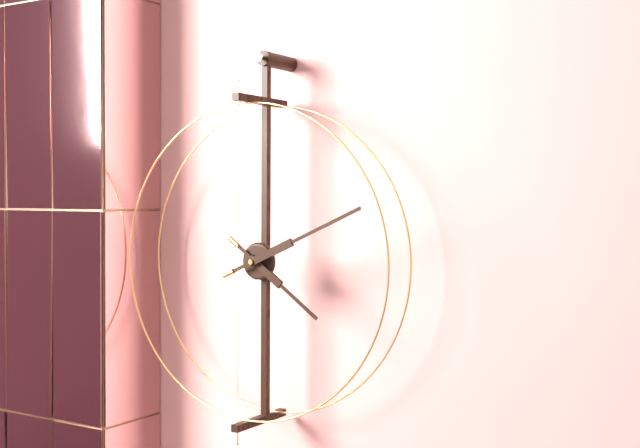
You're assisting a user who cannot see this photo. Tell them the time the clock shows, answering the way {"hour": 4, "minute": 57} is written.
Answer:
{"hour": 4, "minute": 11}
